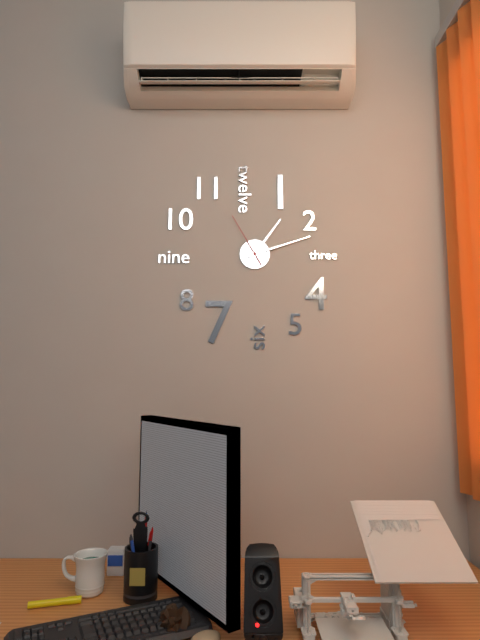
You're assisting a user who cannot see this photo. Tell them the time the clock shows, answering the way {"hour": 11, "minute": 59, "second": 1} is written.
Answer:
{"hour": 1, "minute": 12, "second": 55}
